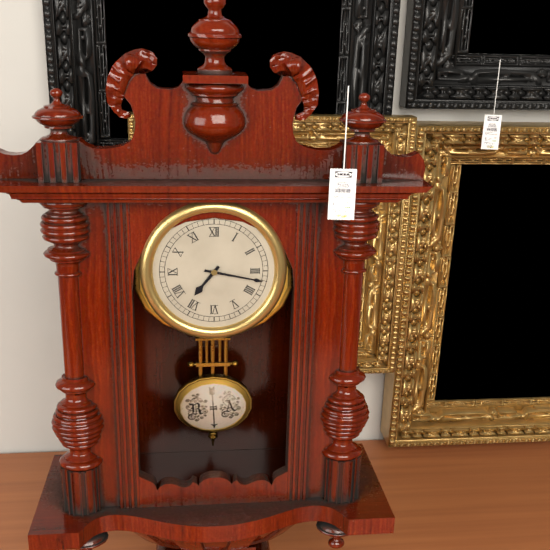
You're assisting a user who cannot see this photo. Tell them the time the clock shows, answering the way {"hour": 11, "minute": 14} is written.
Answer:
{"hour": 7, "minute": 17}
